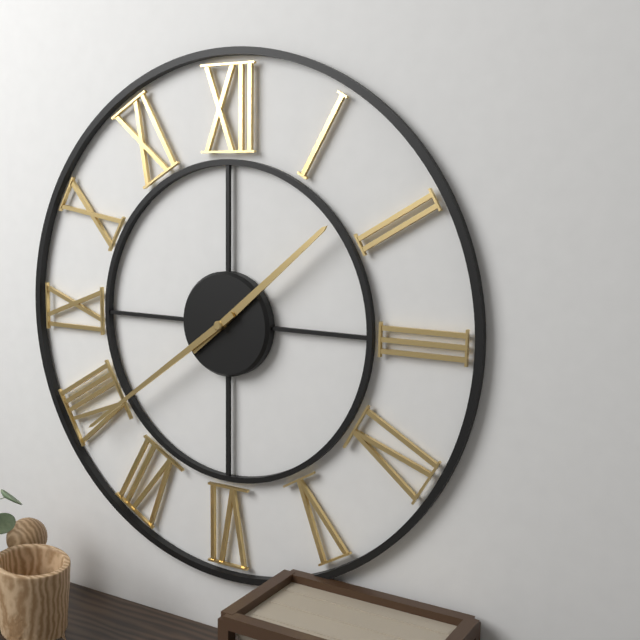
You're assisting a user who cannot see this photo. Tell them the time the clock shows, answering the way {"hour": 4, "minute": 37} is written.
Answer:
{"hour": 1, "minute": 39}
